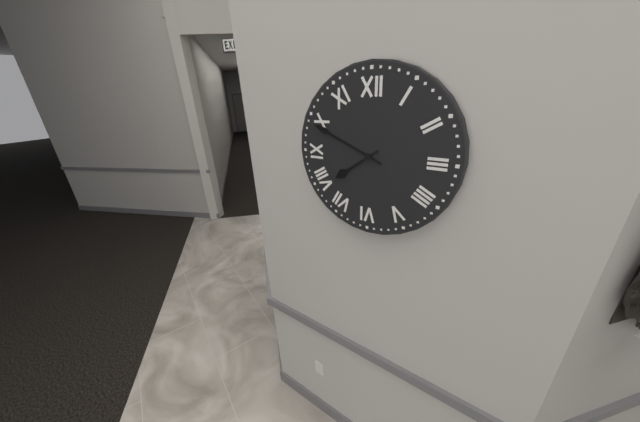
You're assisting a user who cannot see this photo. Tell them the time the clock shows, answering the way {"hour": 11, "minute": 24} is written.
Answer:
{"hour": 7, "minute": 49}
